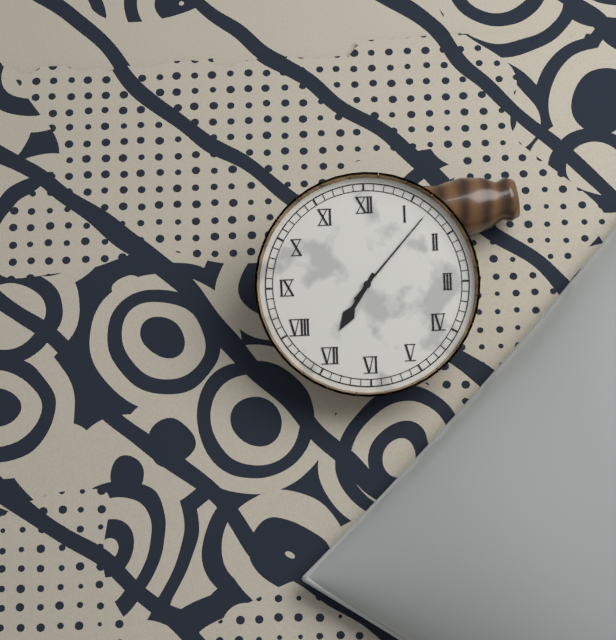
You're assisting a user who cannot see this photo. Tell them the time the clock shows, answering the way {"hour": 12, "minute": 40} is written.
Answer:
{"hour": 7, "minute": 7}
